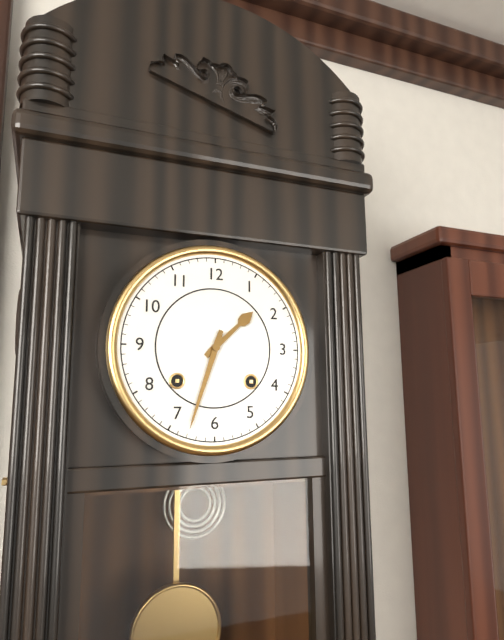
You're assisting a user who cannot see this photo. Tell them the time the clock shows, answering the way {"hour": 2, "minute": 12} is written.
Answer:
{"hour": 1, "minute": 33}
